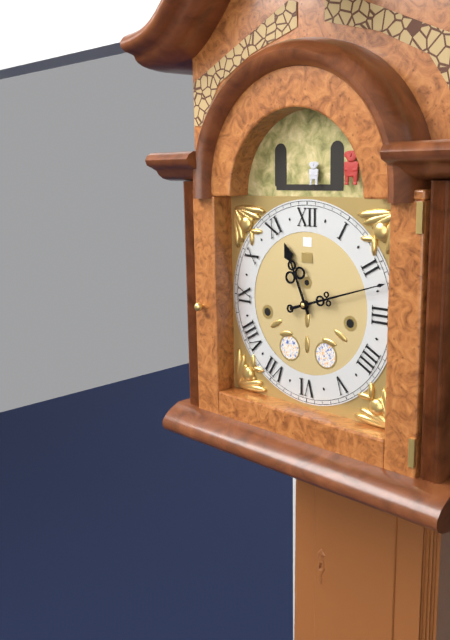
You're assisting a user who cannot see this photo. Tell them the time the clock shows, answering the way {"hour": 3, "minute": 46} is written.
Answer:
{"hour": 11, "minute": 12}
